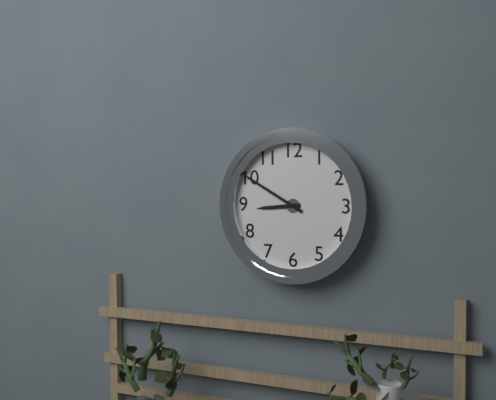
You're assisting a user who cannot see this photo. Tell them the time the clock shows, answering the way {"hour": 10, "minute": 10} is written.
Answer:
{"hour": 8, "minute": 50}
